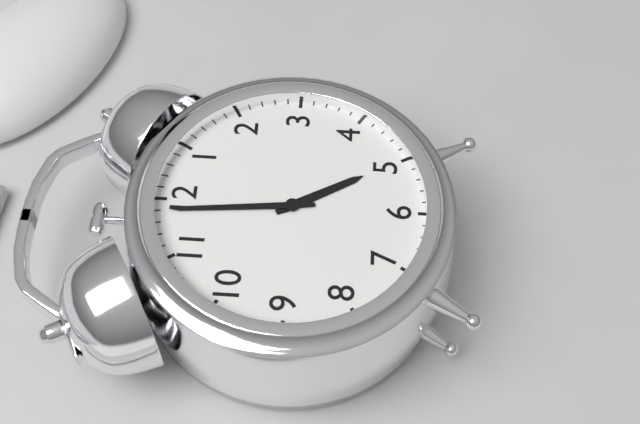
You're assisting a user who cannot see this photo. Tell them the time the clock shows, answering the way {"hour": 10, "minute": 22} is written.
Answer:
{"hour": 4, "minute": 59}
